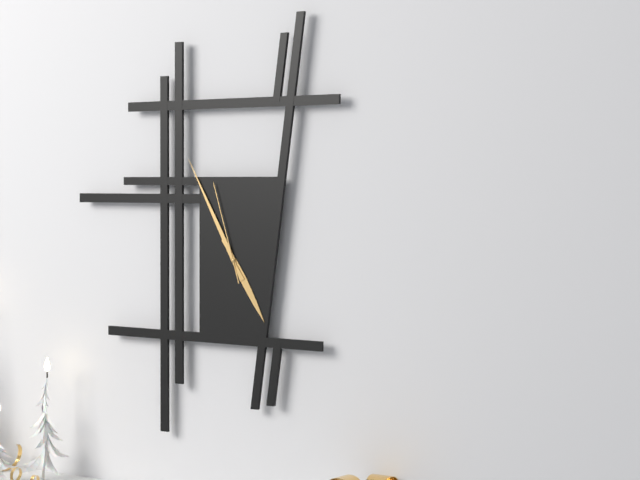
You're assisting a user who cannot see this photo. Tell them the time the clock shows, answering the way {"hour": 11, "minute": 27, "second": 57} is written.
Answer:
{"hour": 4, "minute": 55, "second": 57}
